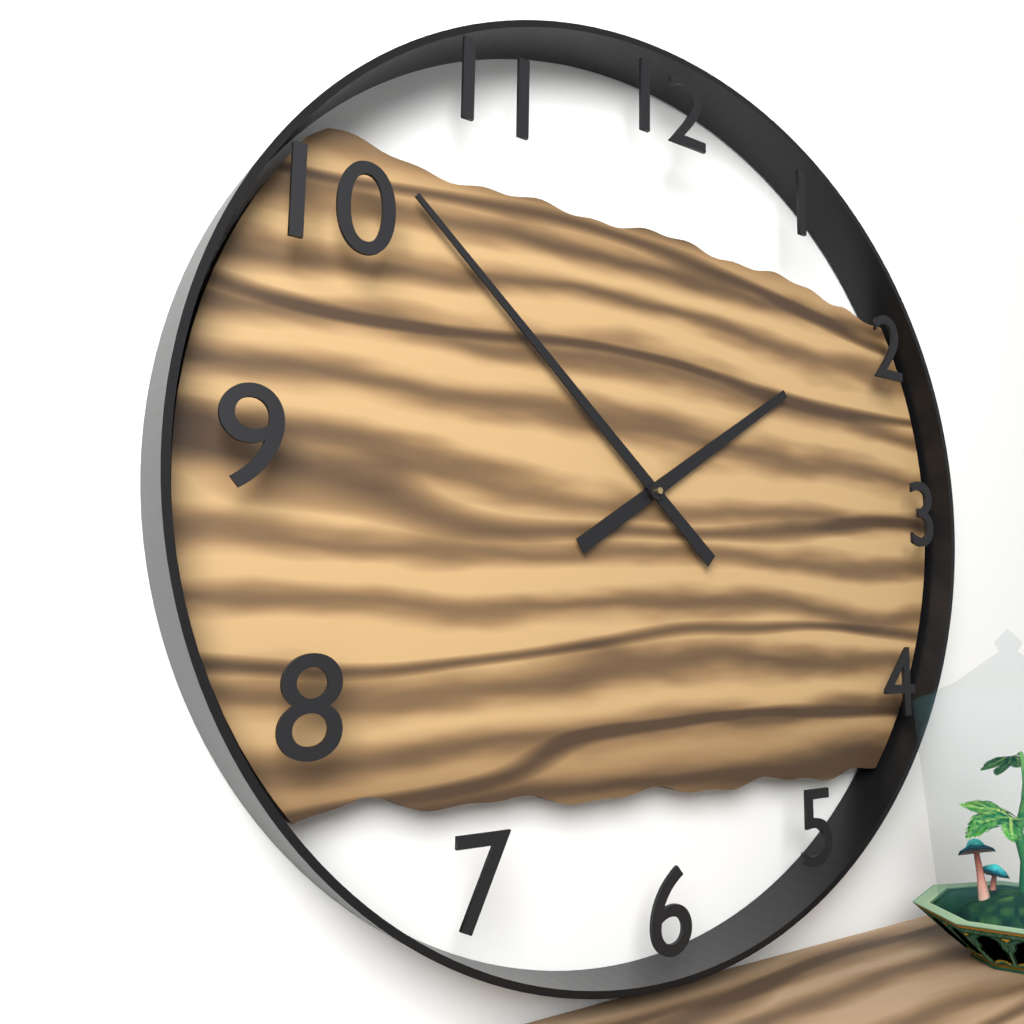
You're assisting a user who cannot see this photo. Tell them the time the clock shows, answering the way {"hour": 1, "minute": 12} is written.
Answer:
{"hour": 1, "minute": 52}
